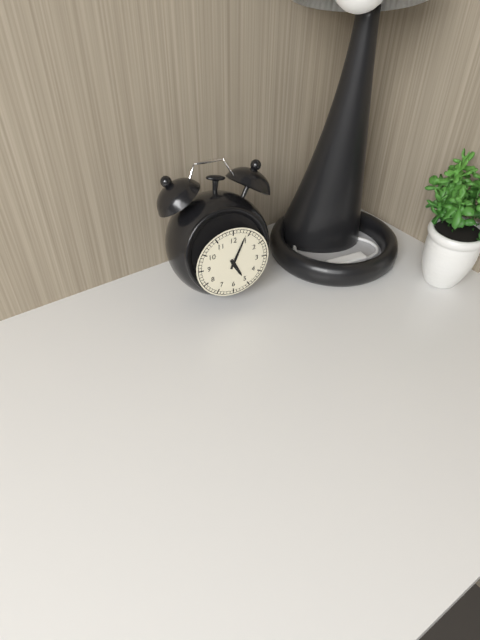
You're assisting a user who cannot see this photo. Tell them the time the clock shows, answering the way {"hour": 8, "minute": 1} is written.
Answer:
{"hour": 5, "minute": 4}
